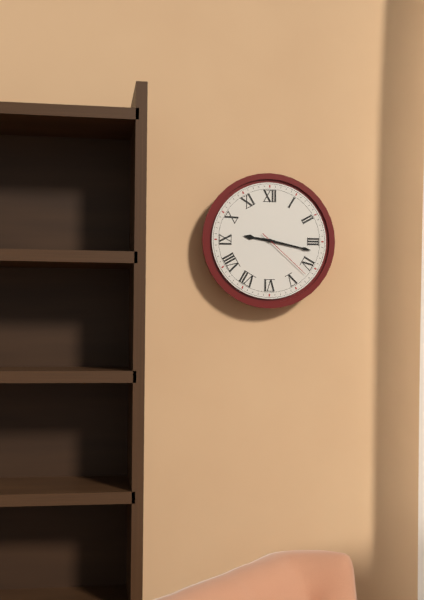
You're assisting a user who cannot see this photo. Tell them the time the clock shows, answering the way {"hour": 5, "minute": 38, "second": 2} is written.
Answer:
{"hour": 9, "minute": 17, "second": 22}
